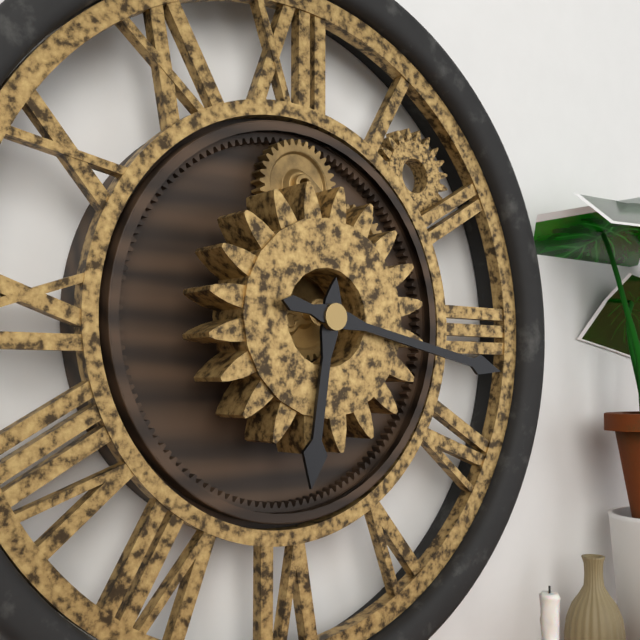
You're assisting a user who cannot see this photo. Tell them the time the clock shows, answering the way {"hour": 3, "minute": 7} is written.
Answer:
{"hour": 6, "minute": 17}
